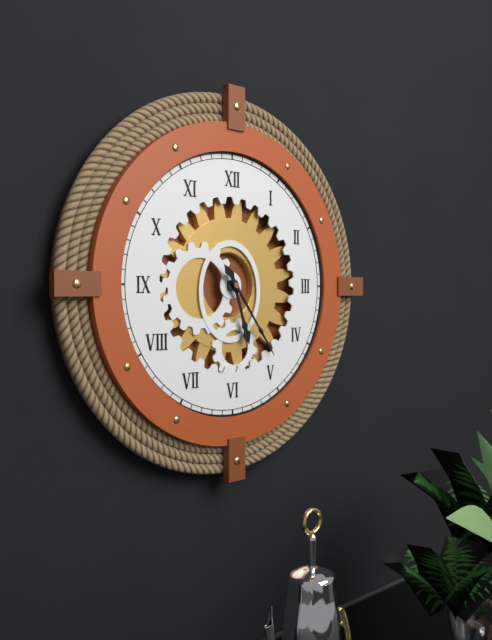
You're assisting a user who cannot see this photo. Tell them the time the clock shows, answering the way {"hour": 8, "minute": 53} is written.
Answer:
{"hour": 5, "minute": 24}
